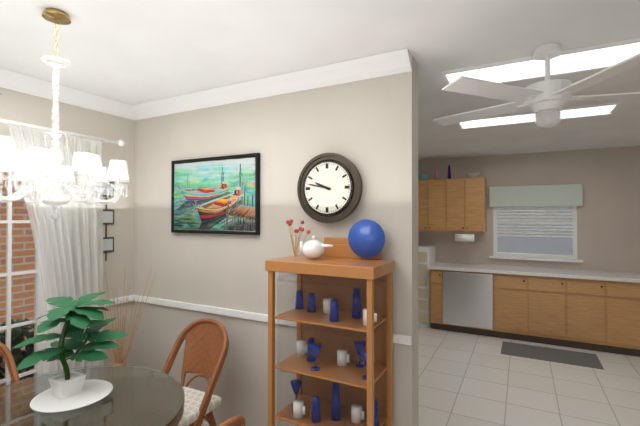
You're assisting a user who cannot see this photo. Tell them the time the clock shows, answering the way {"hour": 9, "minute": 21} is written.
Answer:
{"hour": 9, "minute": 47}
